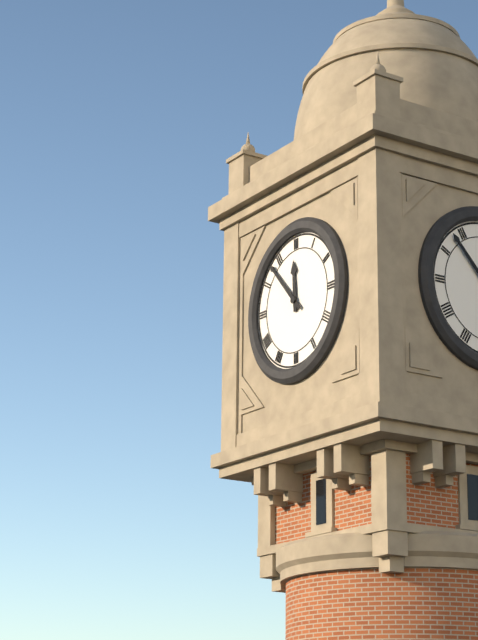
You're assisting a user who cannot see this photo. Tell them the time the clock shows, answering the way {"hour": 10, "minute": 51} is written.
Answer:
{"hour": 11, "minute": 53}
